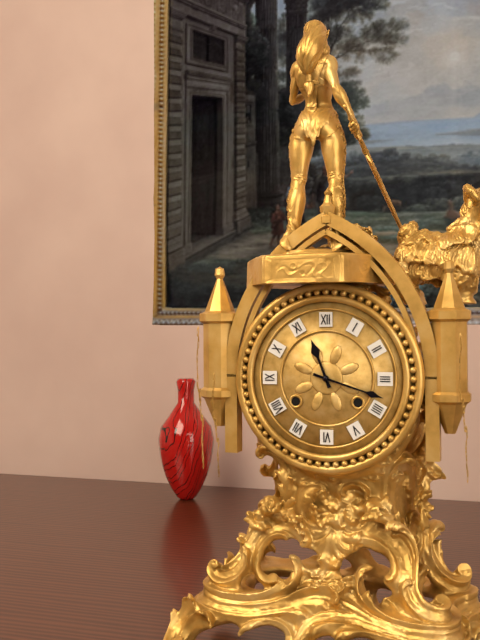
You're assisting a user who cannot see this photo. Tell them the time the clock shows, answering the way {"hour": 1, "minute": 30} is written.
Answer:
{"hour": 11, "minute": 18}
